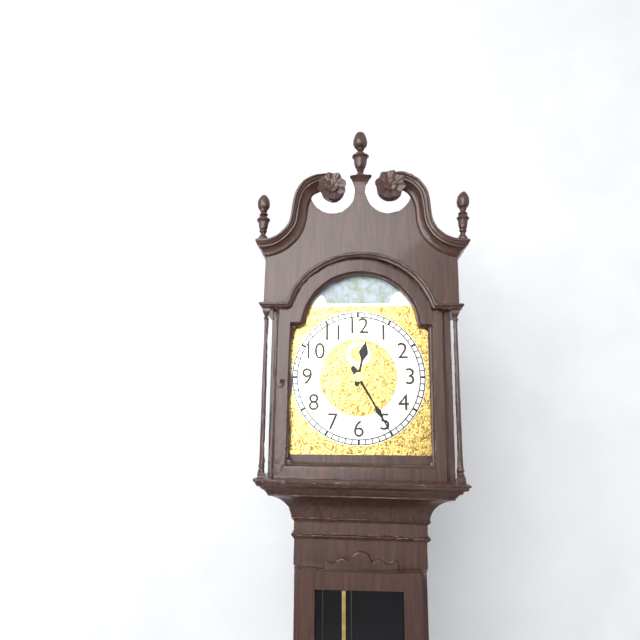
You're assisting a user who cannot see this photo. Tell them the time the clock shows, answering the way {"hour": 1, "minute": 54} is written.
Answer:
{"hour": 12, "minute": 25}
